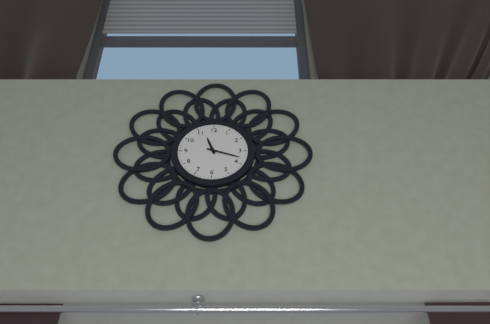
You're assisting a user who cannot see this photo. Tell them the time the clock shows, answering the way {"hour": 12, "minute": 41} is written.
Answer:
{"hour": 11, "minute": 18}
